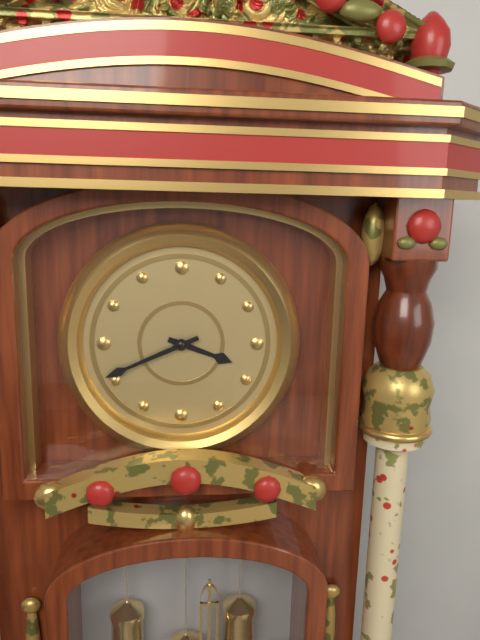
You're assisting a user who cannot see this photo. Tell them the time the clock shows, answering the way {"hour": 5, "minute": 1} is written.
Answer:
{"hour": 3, "minute": 41}
